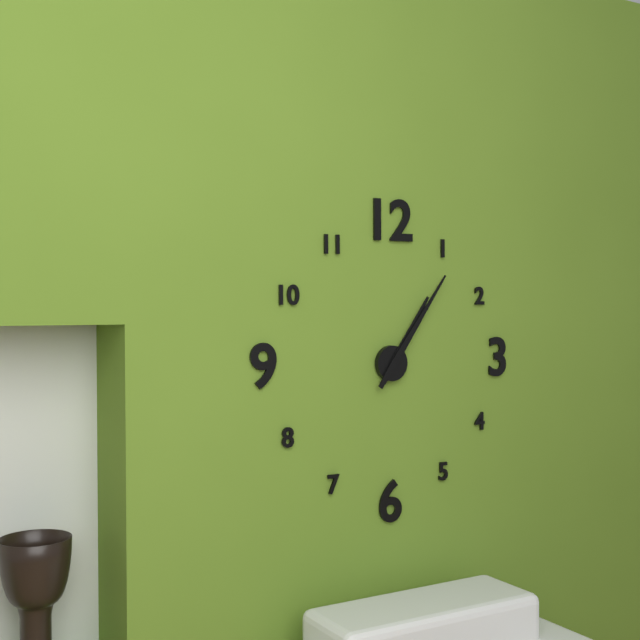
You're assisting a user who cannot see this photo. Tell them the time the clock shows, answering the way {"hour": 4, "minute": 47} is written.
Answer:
{"hour": 1, "minute": 6}
